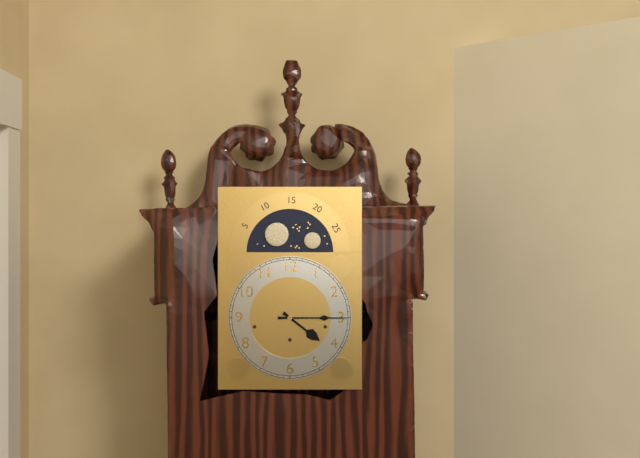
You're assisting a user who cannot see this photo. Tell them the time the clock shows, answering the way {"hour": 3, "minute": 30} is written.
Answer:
{"hour": 4, "minute": 15}
